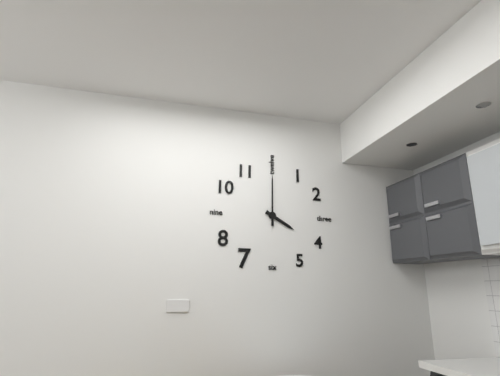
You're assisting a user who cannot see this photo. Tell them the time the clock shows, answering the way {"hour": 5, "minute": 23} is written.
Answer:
{"hour": 4, "minute": 0}
